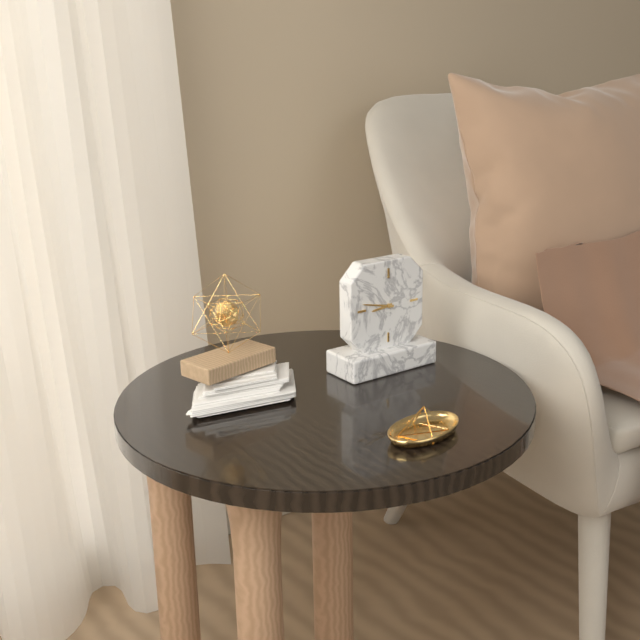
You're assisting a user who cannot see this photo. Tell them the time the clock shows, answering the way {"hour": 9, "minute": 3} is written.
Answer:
{"hour": 8, "minute": 47}
